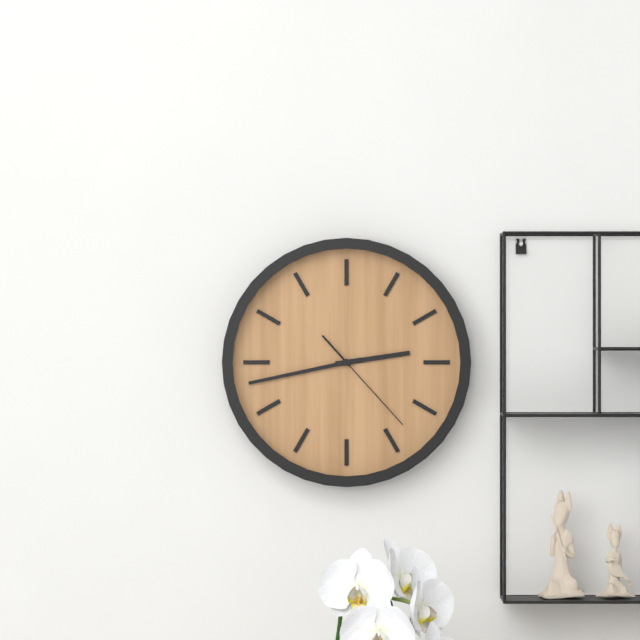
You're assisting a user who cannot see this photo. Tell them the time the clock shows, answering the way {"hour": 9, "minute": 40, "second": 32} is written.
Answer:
{"hour": 2, "minute": 43, "second": 23}
